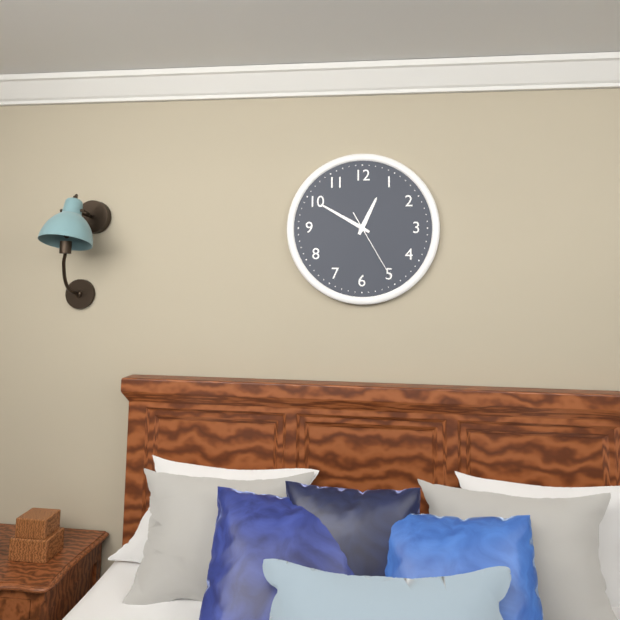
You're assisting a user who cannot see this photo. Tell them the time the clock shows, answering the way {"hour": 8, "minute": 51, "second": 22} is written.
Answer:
{"hour": 12, "minute": 50, "second": 25}
